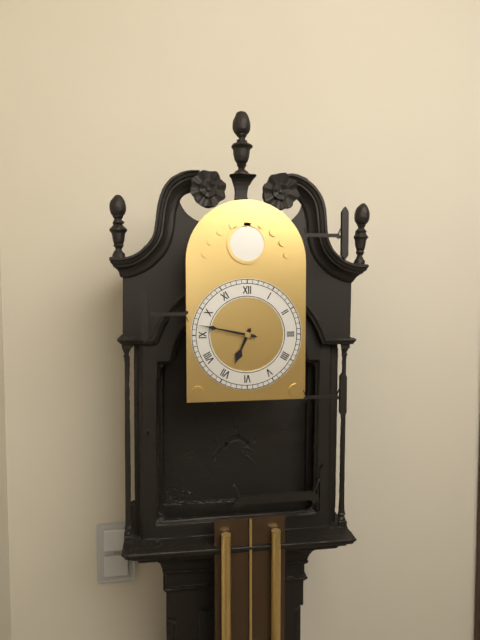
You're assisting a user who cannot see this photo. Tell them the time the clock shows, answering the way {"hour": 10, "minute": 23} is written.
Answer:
{"hour": 6, "minute": 47}
